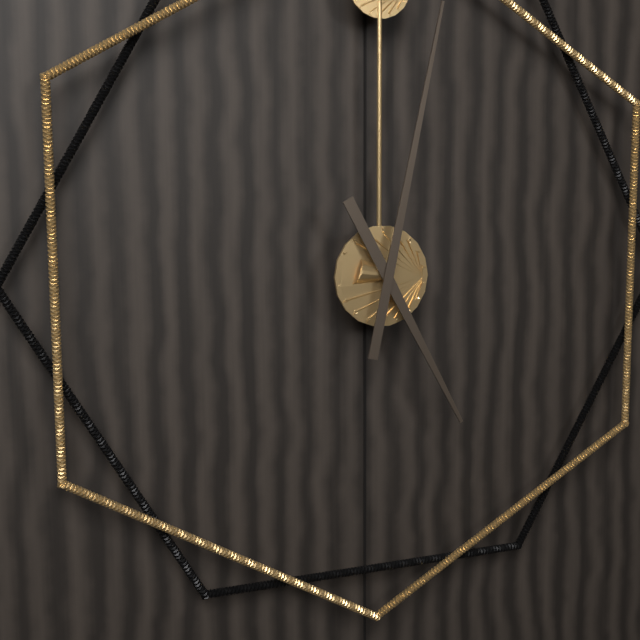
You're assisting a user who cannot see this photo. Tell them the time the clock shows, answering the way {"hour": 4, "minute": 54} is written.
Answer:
{"hour": 5, "minute": 2}
